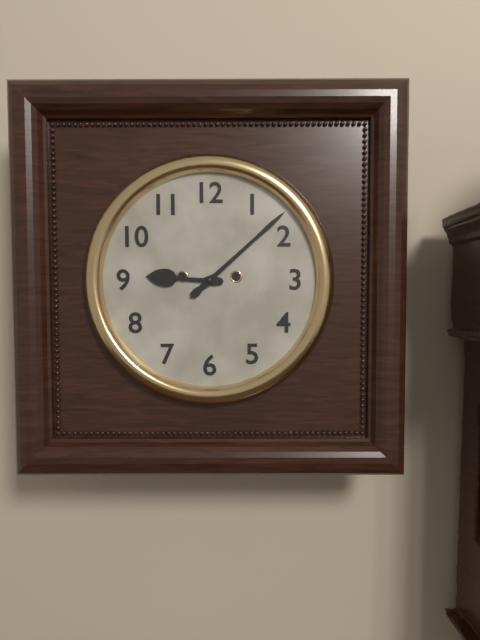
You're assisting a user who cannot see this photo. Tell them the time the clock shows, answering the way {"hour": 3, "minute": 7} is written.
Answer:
{"hour": 9, "minute": 8}
